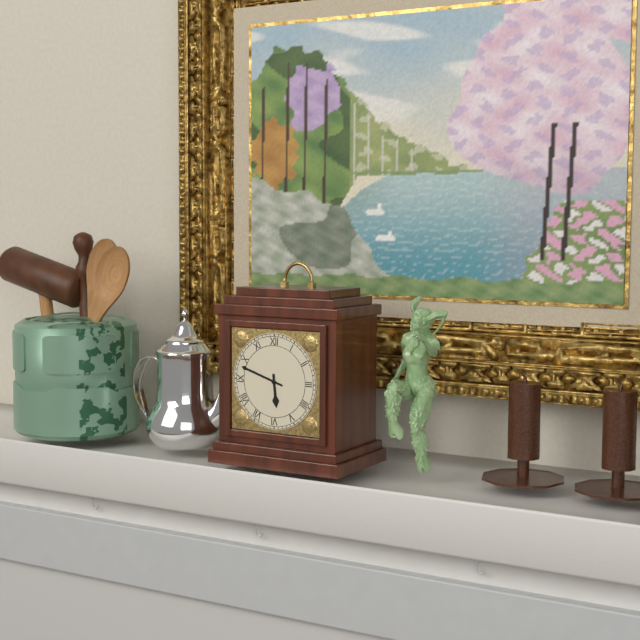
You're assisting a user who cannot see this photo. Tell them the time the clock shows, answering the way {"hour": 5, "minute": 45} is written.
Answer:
{"hour": 5, "minute": 48}
